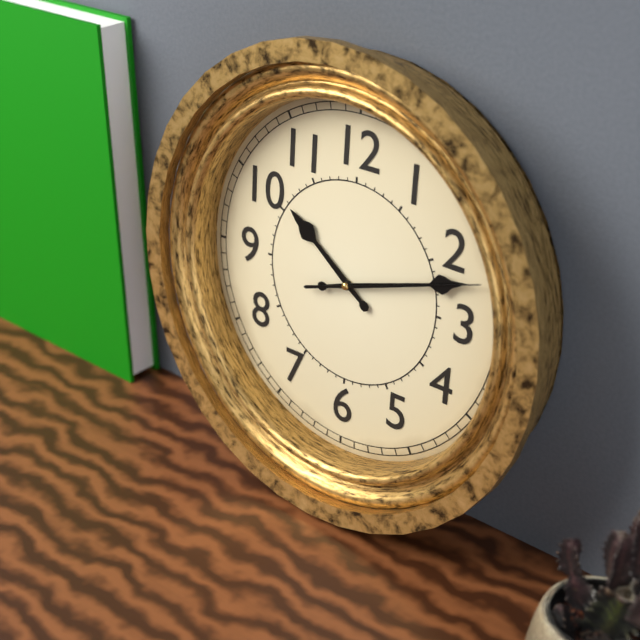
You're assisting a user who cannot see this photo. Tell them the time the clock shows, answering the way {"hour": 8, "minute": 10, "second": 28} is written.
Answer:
{"hour": 10, "minute": 12, "second": 12}
